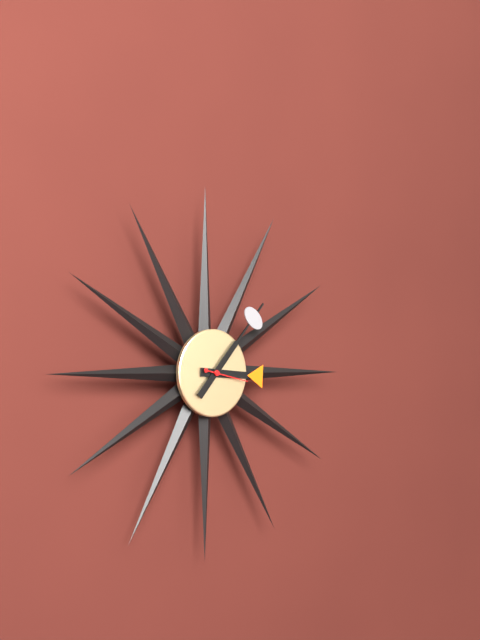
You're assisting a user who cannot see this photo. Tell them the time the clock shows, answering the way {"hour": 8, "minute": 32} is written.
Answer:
{"hour": 3, "minute": 7}
